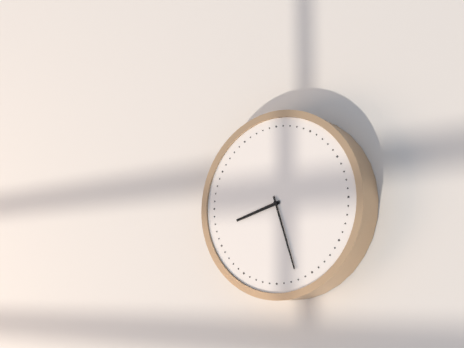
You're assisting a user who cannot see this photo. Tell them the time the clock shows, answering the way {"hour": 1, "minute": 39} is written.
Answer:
{"hour": 8, "minute": 27}
